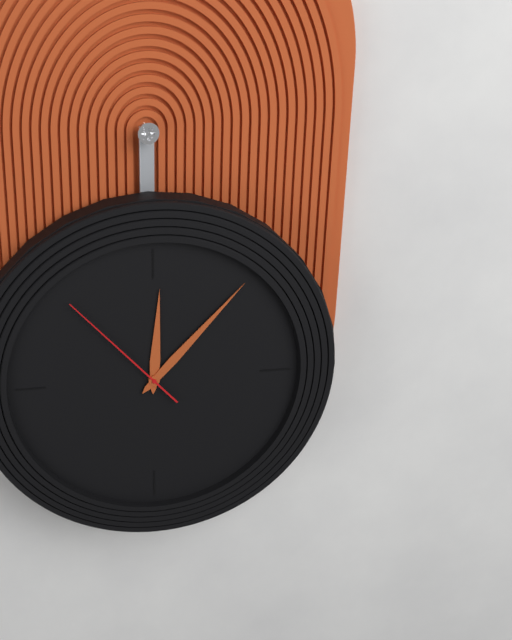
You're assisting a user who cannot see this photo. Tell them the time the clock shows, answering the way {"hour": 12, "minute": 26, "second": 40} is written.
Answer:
{"hour": 12, "minute": 7, "second": 53}
